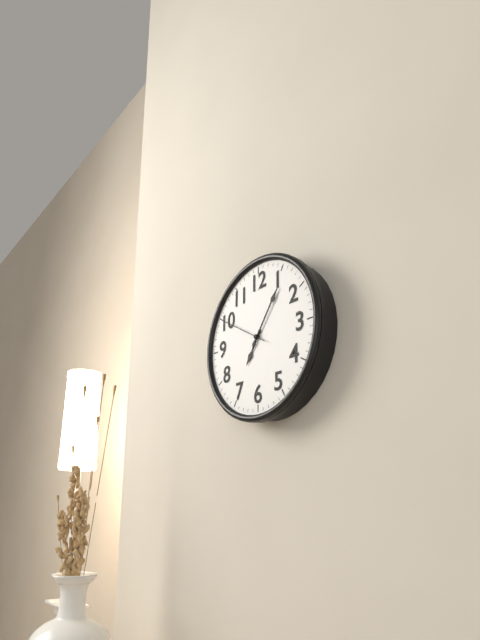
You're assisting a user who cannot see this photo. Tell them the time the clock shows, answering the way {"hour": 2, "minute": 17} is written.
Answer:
{"hour": 7, "minute": 6}
